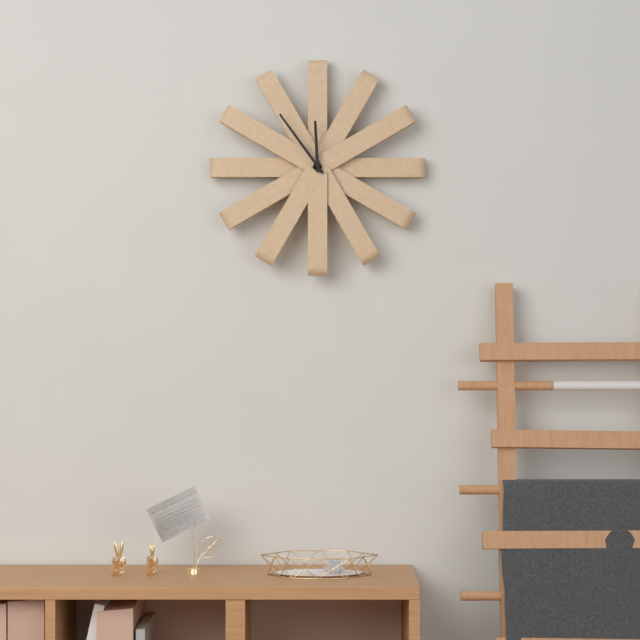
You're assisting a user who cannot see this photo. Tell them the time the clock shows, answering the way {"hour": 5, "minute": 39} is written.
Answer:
{"hour": 11, "minute": 54}
